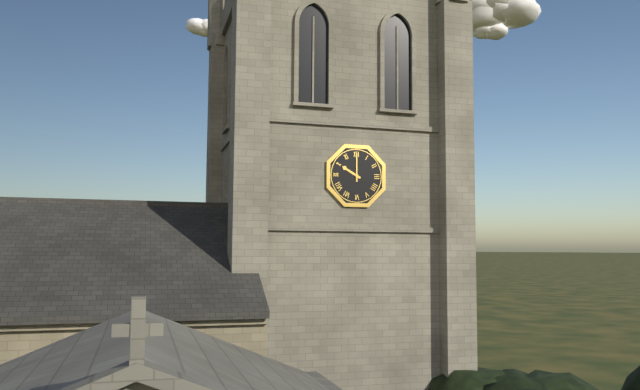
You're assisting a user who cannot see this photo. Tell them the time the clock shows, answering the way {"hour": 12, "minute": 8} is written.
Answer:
{"hour": 10, "minute": 0}
